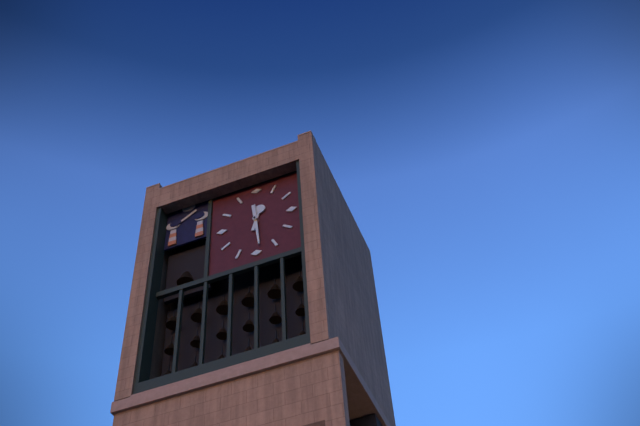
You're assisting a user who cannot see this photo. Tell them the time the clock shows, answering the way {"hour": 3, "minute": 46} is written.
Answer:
{"hour": 12, "minute": 29}
